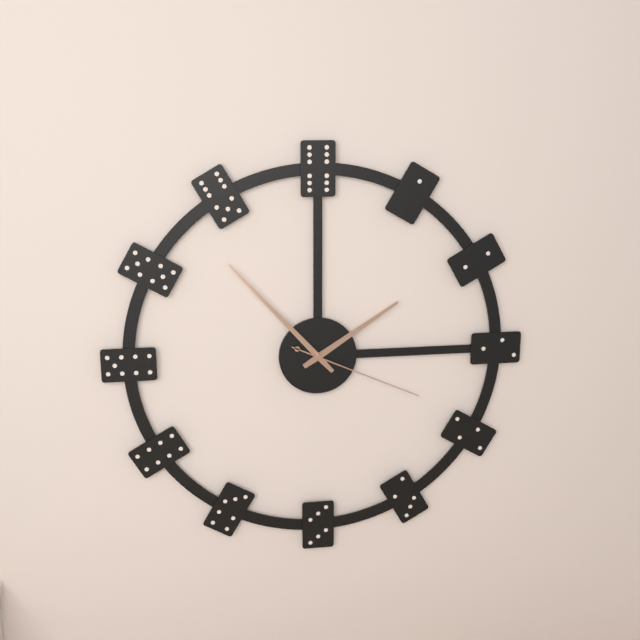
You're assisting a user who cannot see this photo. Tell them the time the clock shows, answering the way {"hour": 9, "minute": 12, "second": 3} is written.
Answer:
{"hour": 1, "minute": 53, "second": 19}
